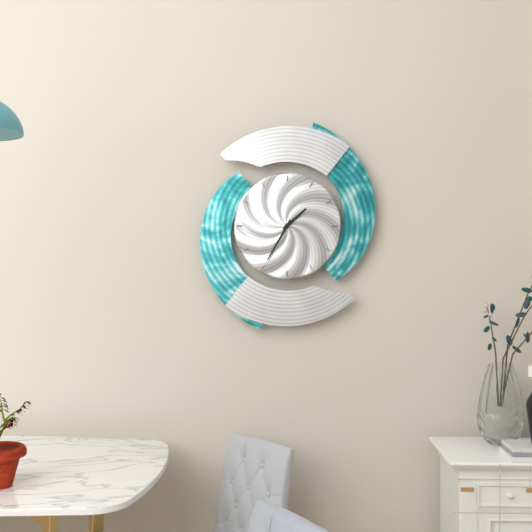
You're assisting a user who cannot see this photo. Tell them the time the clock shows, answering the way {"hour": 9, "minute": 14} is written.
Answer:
{"hour": 1, "minute": 35}
